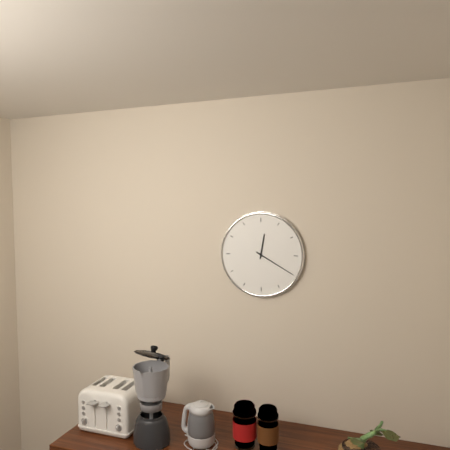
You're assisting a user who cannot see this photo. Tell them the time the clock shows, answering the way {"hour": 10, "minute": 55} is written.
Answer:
{"hour": 12, "minute": 20}
